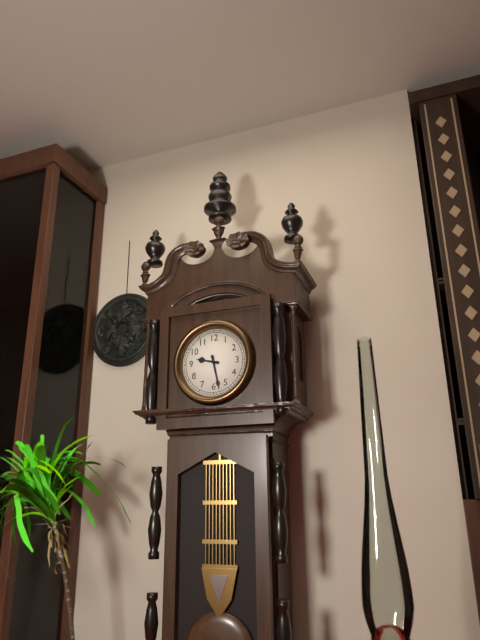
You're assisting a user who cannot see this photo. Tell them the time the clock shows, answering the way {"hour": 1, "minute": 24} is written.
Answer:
{"hour": 9, "minute": 28}
